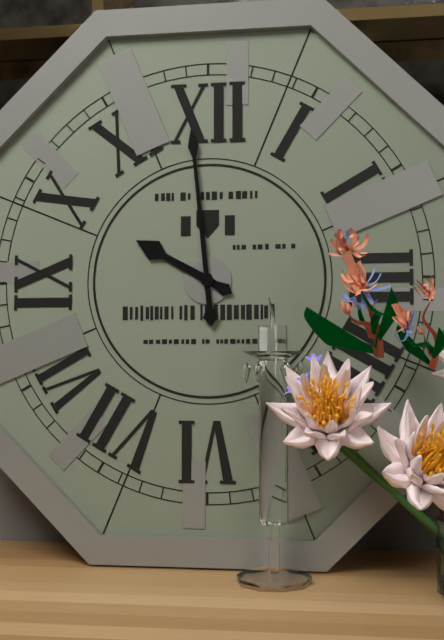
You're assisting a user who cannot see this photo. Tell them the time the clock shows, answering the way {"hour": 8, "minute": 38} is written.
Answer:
{"hour": 9, "minute": 59}
